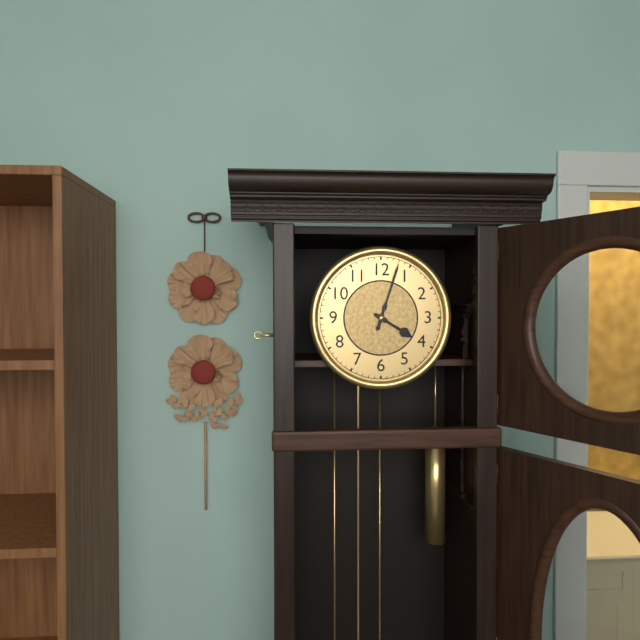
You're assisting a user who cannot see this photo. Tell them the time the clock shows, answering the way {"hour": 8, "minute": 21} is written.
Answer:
{"hour": 4, "minute": 3}
